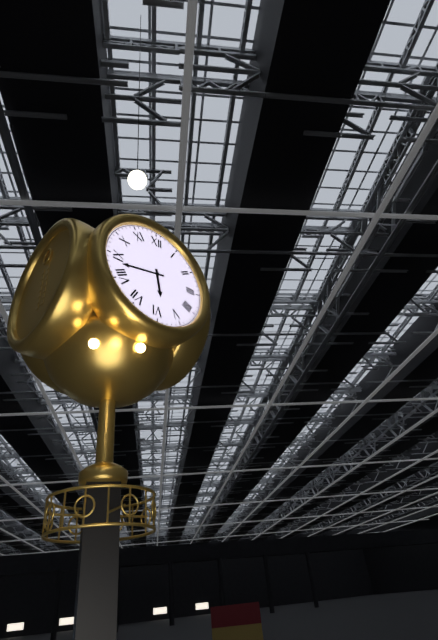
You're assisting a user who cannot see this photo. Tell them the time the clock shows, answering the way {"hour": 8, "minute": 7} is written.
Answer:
{"hour": 5, "minute": 43}
